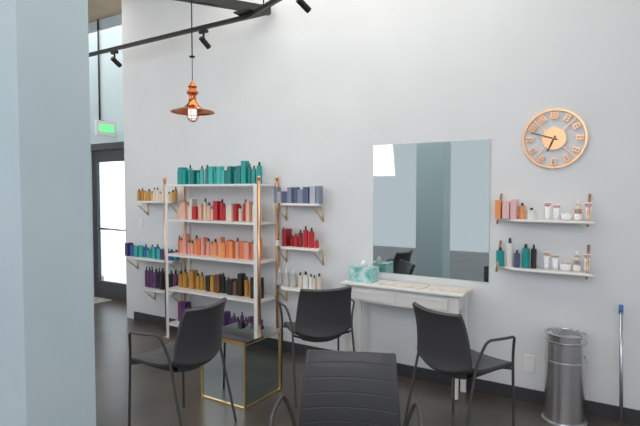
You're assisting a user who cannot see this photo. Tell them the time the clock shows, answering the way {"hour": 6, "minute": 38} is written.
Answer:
{"hour": 6, "minute": 48}
